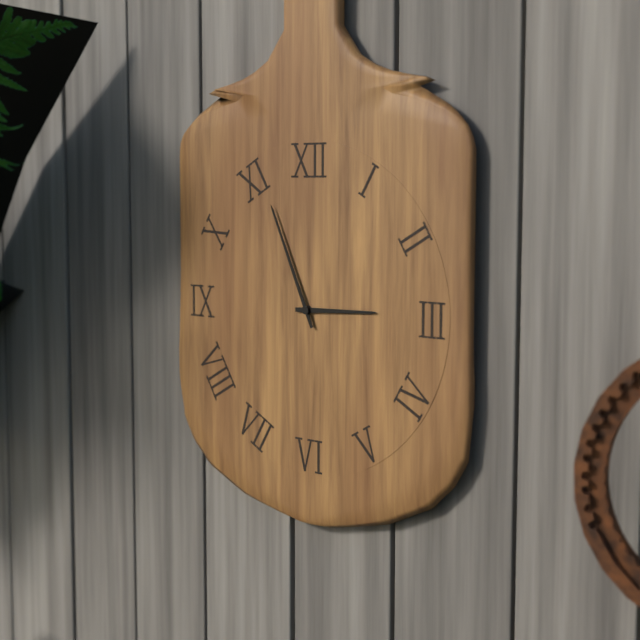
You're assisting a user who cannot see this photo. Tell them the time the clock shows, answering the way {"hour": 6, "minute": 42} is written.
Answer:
{"hour": 2, "minute": 56}
